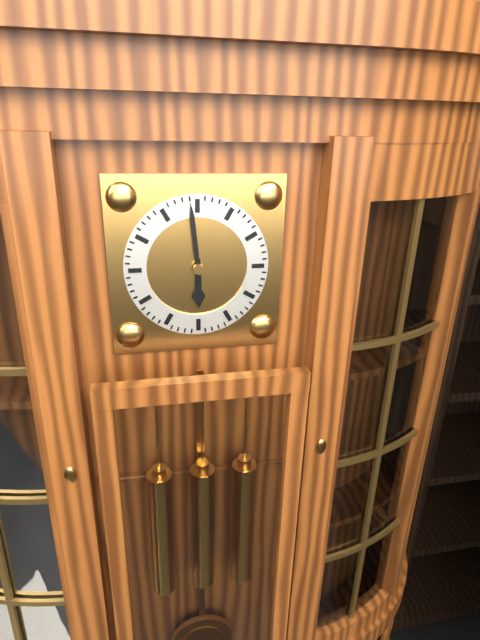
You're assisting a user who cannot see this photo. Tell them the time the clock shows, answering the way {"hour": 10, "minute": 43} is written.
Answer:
{"hour": 5, "minute": 59}
